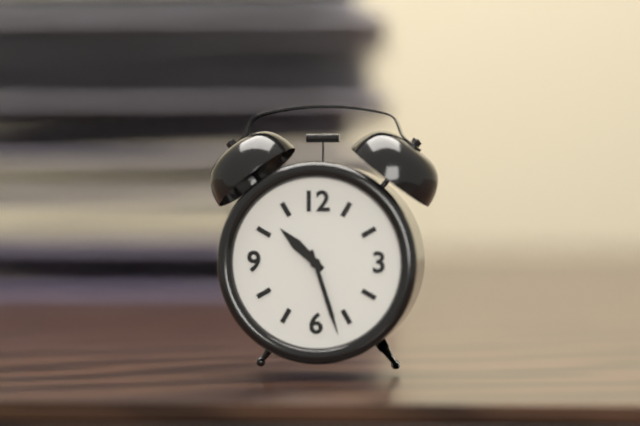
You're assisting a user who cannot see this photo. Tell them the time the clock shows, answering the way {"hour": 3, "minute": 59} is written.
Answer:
{"hour": 10, "minute": 27}
